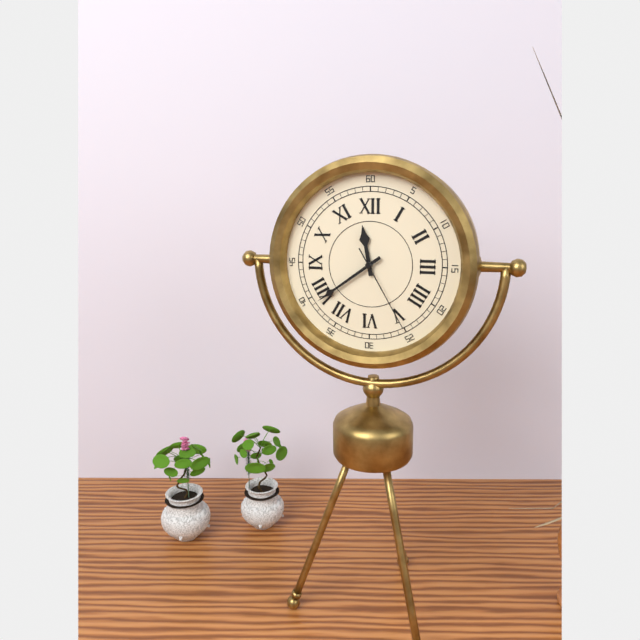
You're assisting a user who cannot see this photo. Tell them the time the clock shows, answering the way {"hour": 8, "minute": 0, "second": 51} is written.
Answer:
{"hour": 11, "minute": 39, "second": 25}
